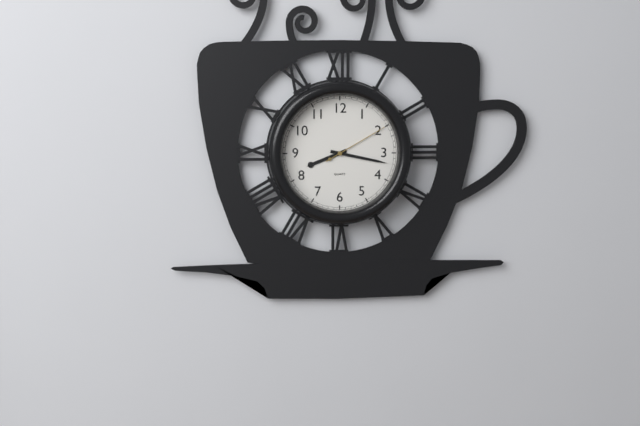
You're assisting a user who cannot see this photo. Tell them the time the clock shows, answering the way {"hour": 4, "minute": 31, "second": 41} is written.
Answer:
{"hour": 8, "minute": 17, "second": 10}
